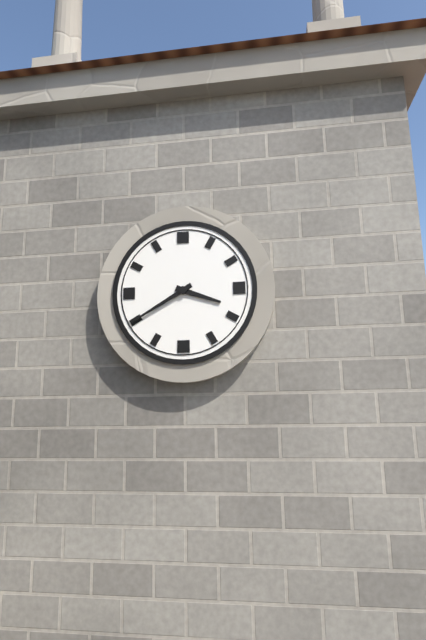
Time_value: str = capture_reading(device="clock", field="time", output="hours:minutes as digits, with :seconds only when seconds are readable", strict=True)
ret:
3:40
